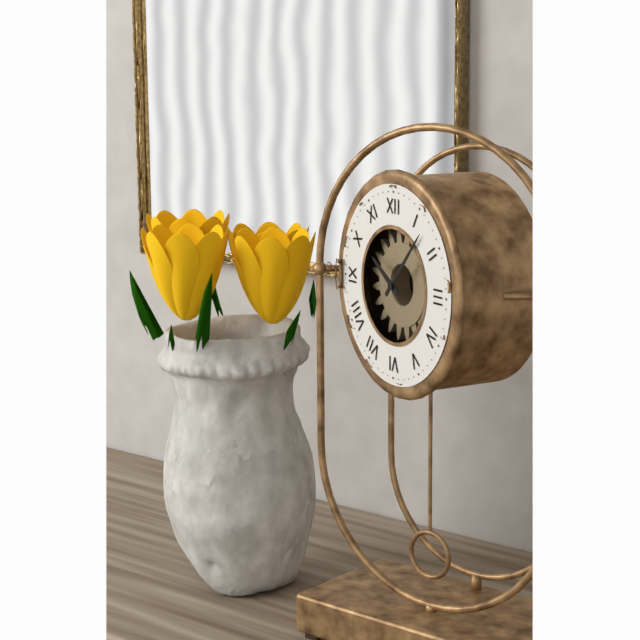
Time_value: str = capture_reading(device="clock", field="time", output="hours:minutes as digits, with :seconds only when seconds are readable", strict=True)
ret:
10:07
